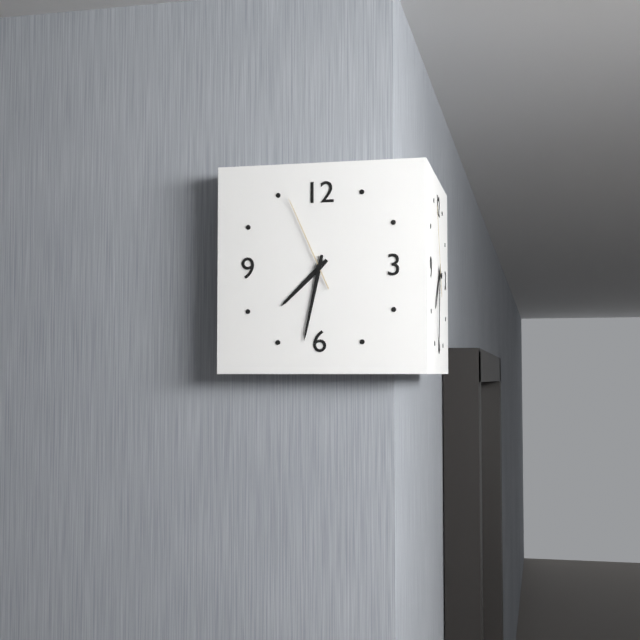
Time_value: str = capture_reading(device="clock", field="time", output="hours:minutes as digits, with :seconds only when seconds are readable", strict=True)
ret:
7:32:56
